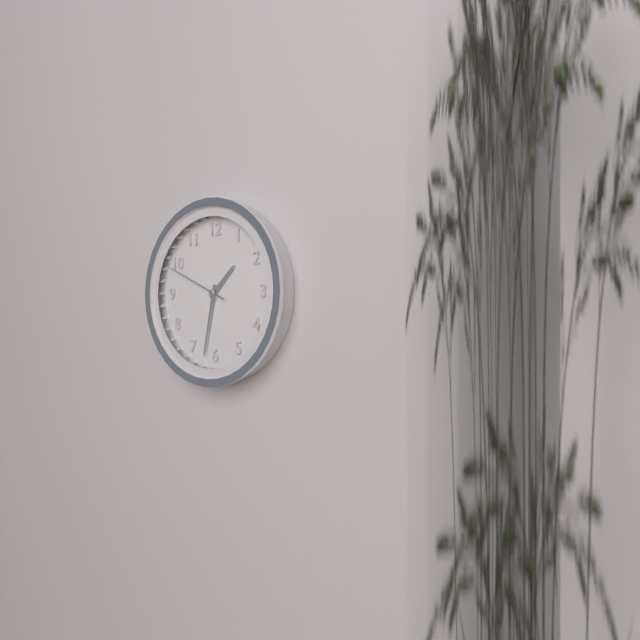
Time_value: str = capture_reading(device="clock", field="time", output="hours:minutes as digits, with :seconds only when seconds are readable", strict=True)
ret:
1:32:49
